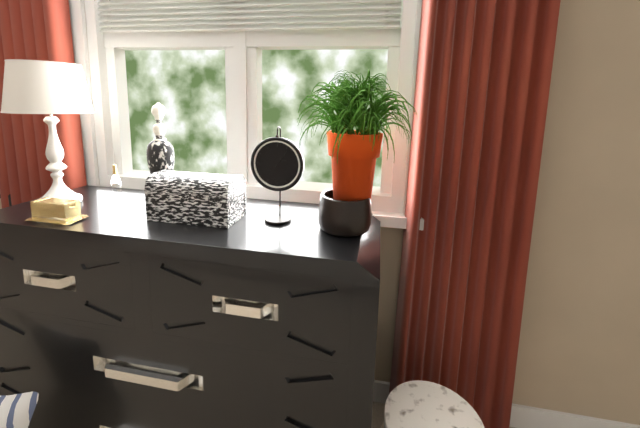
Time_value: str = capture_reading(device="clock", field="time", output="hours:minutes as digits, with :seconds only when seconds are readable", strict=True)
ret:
2:06
